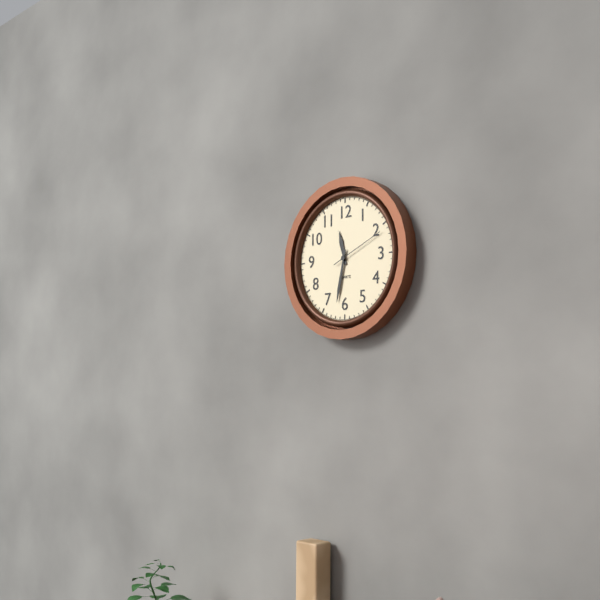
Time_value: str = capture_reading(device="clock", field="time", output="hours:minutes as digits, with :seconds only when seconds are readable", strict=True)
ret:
11:32:11
